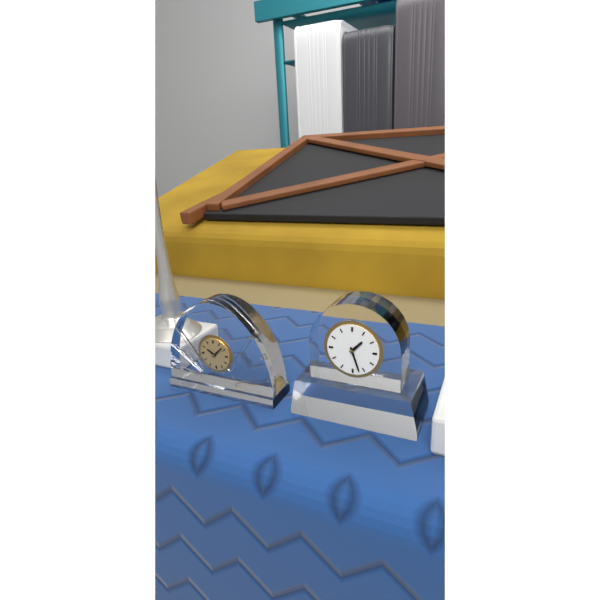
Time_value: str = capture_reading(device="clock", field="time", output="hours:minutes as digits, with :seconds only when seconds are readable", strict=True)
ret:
1:27
